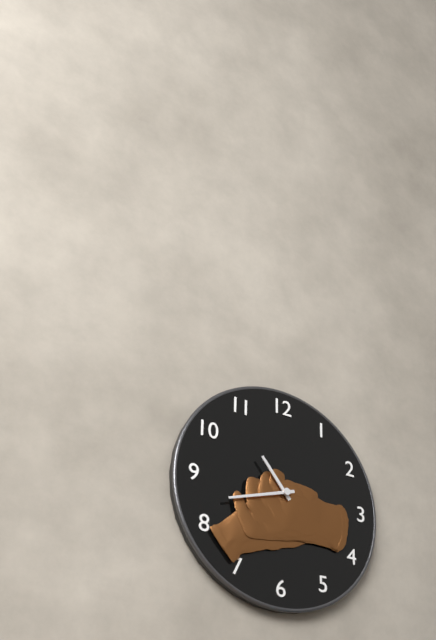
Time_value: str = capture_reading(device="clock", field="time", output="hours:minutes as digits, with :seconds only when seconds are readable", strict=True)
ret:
10:42
